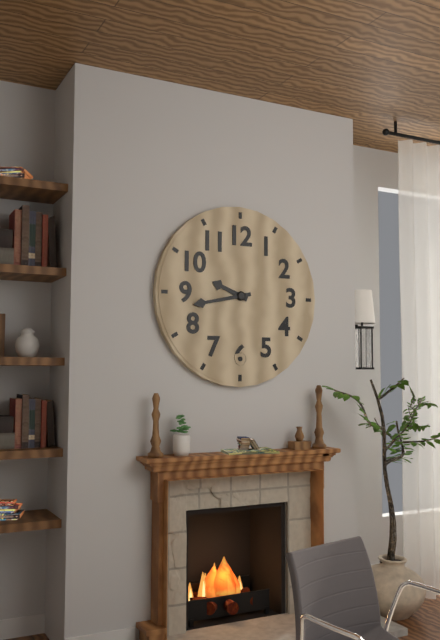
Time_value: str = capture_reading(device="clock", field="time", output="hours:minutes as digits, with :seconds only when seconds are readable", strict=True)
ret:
9:43
